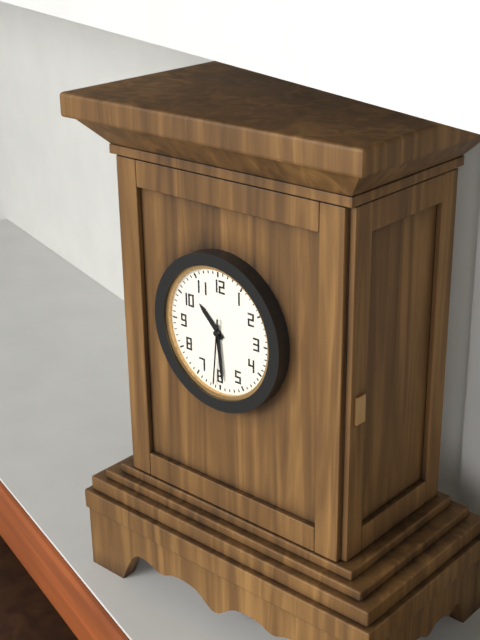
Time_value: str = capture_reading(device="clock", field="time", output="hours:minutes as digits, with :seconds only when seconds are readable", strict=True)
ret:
10:29:31
